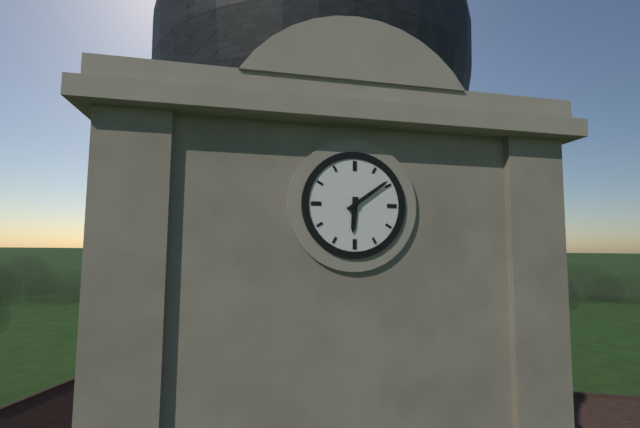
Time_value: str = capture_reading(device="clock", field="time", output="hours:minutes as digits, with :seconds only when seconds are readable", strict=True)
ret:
6:09
